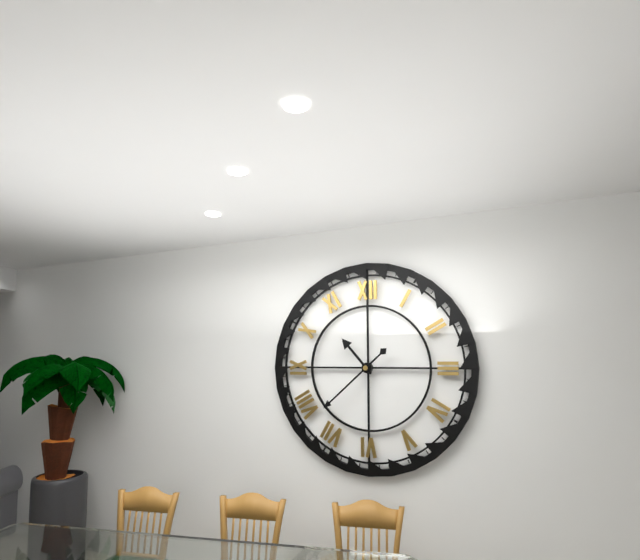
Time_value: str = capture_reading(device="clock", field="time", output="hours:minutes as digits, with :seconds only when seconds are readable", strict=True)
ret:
10:38
